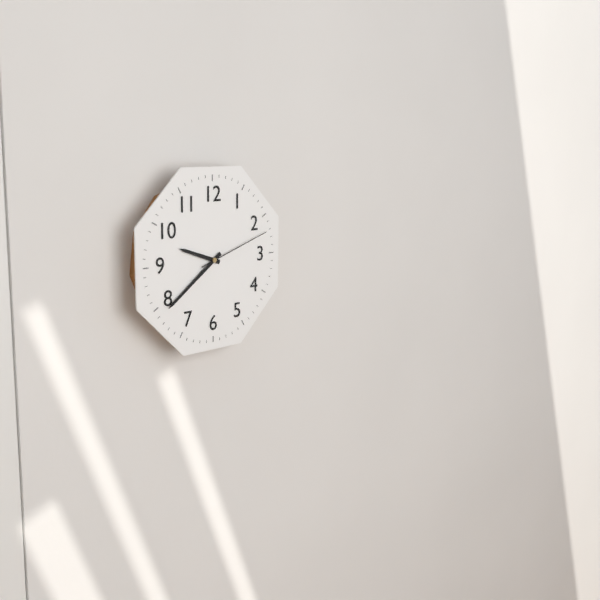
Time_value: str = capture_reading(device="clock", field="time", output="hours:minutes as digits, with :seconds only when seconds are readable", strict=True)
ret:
9:39:12
